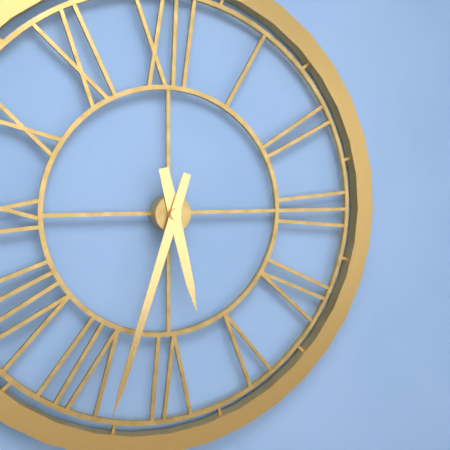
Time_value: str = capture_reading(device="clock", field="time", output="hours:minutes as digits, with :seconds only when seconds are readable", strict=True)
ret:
5:33
